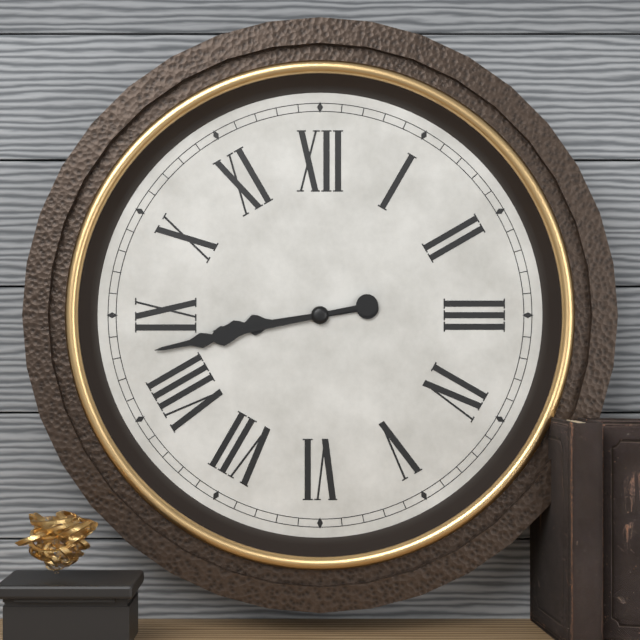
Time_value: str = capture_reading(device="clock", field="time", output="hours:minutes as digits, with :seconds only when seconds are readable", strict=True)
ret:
8:43
